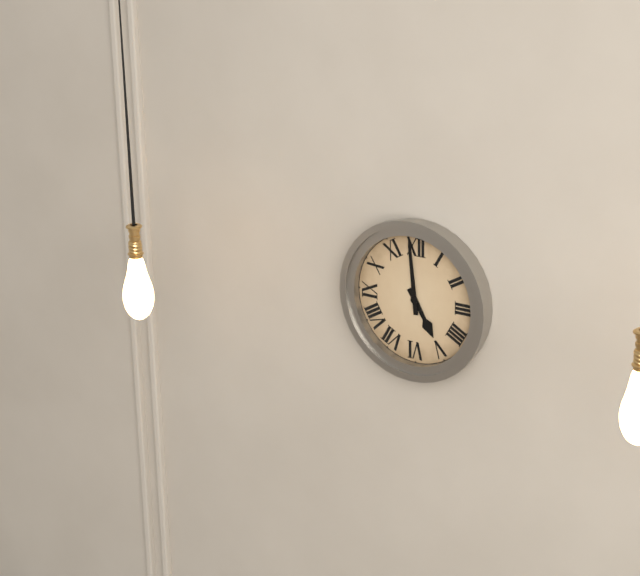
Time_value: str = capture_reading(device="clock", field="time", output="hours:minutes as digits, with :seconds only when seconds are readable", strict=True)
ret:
4:59
